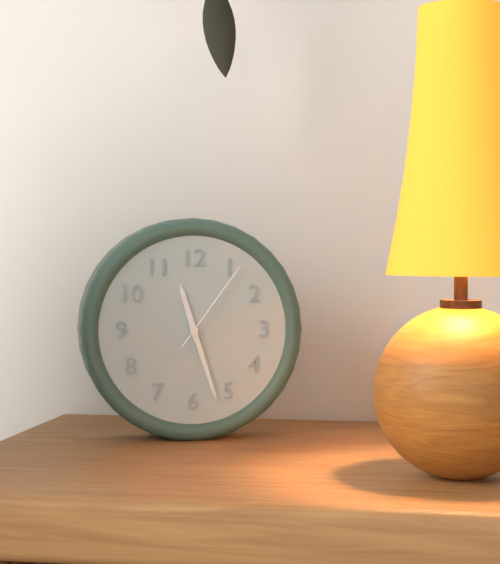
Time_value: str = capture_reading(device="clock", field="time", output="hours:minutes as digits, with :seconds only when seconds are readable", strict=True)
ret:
11:27:06
